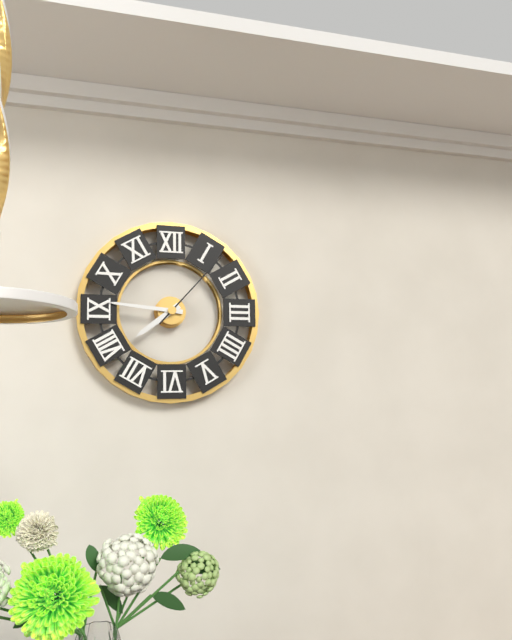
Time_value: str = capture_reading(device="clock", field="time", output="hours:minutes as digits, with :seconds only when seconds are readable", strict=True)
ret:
7:46:07
